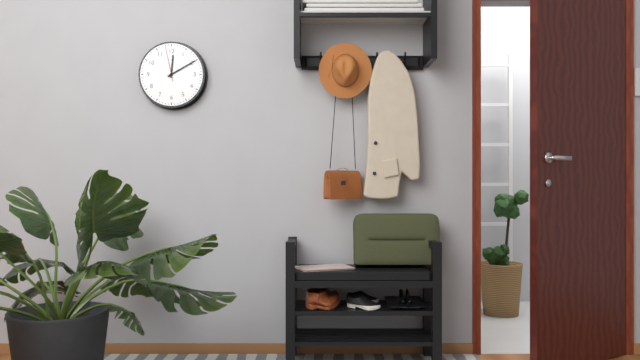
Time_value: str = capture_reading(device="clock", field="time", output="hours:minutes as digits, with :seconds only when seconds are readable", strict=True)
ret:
12:10
